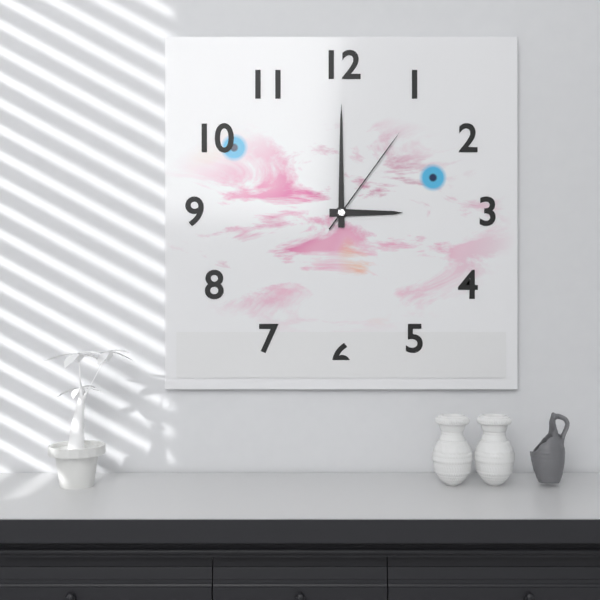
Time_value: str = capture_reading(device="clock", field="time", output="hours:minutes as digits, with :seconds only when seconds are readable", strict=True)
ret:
3:00:06
